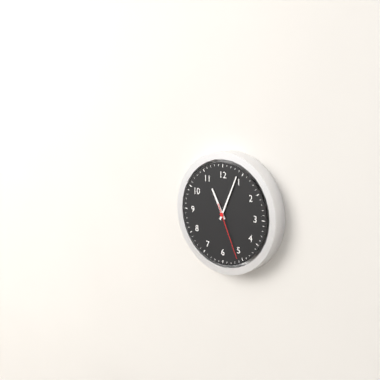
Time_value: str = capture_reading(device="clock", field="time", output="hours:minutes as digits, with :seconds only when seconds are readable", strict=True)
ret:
11:04:26
